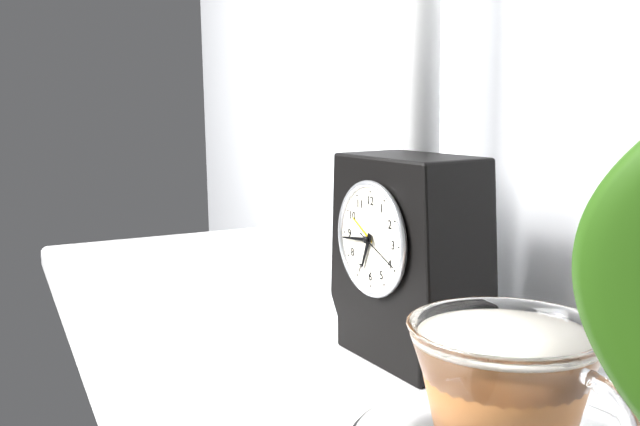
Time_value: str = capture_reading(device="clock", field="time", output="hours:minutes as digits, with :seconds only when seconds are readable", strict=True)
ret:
6:44
